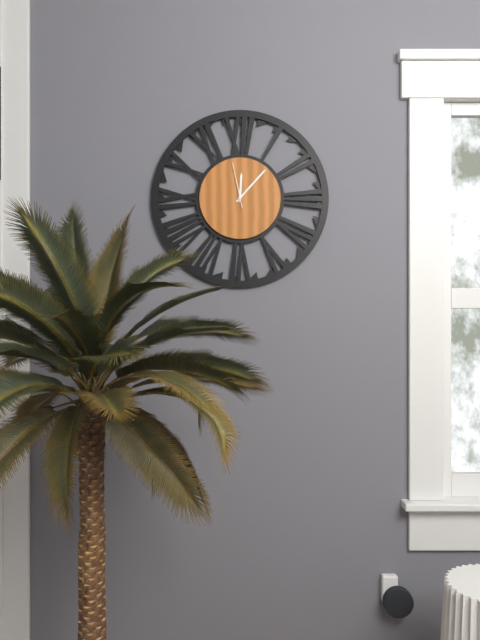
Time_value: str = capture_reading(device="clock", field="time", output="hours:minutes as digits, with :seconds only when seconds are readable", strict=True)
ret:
12:07
